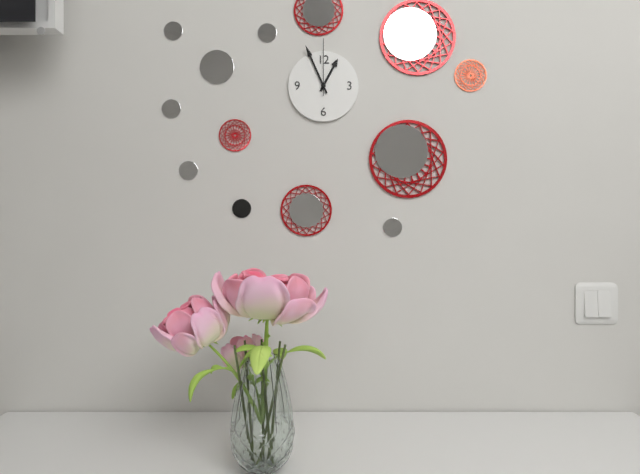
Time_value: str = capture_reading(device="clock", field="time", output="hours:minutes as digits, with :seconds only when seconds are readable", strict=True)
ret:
12:56:00
